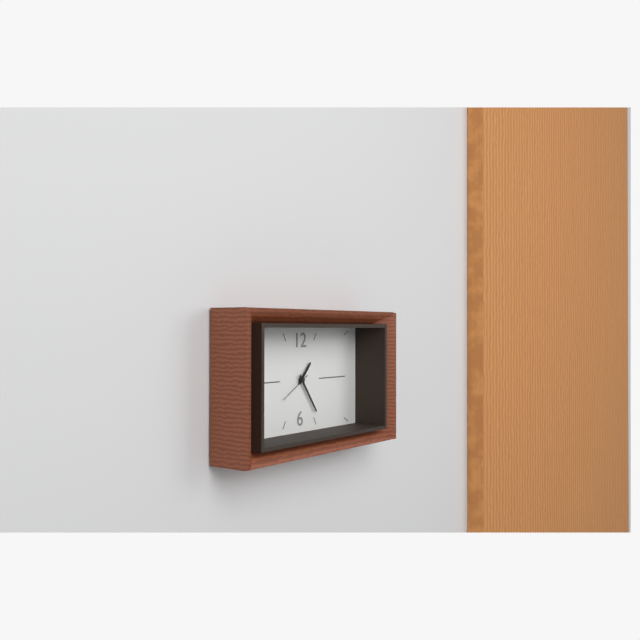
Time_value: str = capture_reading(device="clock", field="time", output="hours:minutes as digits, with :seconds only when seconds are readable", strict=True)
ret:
1:24
